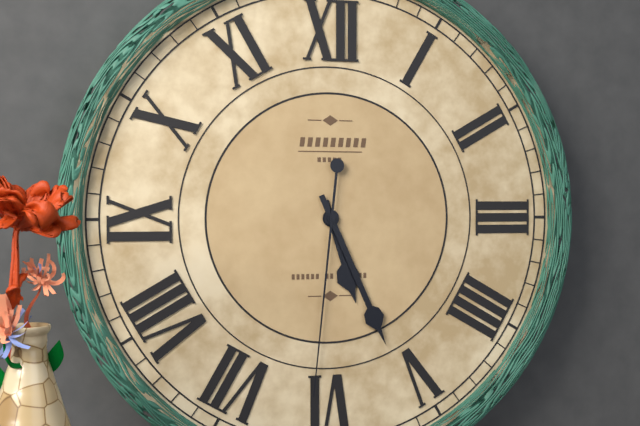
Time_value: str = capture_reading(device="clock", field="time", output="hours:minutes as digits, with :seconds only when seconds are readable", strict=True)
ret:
5:26:31
